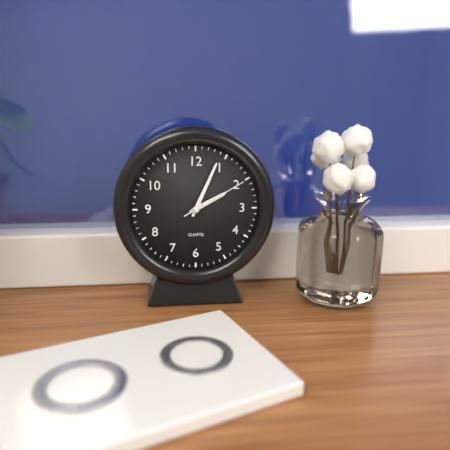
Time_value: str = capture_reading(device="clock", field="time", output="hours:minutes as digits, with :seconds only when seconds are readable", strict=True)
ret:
2:04:10
